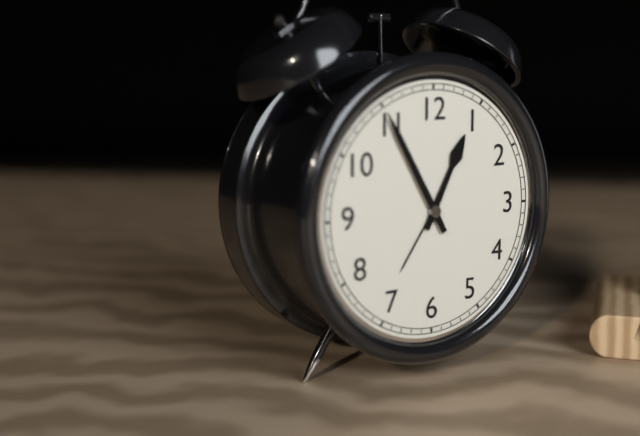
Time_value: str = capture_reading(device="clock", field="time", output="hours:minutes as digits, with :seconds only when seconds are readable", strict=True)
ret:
12:55
